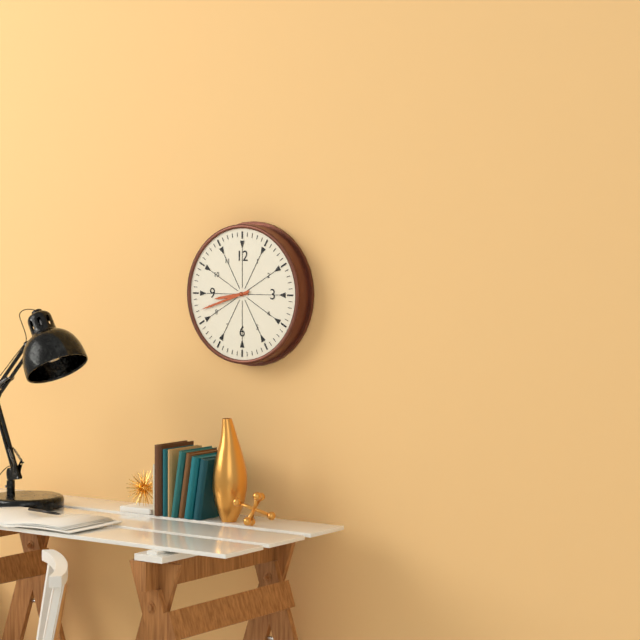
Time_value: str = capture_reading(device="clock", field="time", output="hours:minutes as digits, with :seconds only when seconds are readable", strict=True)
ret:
8:42
